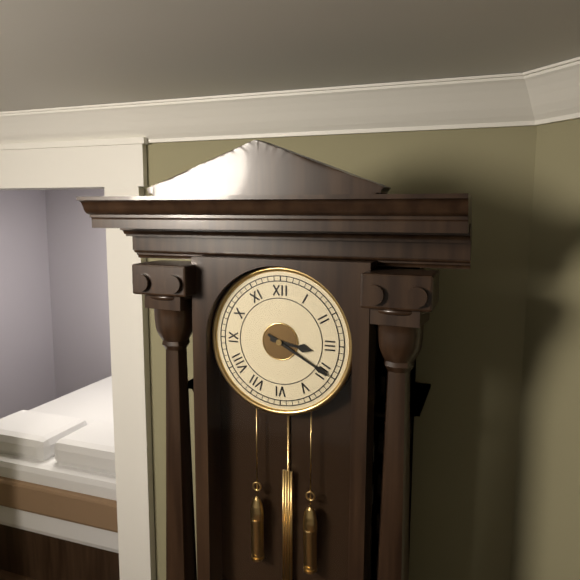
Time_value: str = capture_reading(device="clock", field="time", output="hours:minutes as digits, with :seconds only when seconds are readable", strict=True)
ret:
3:20
